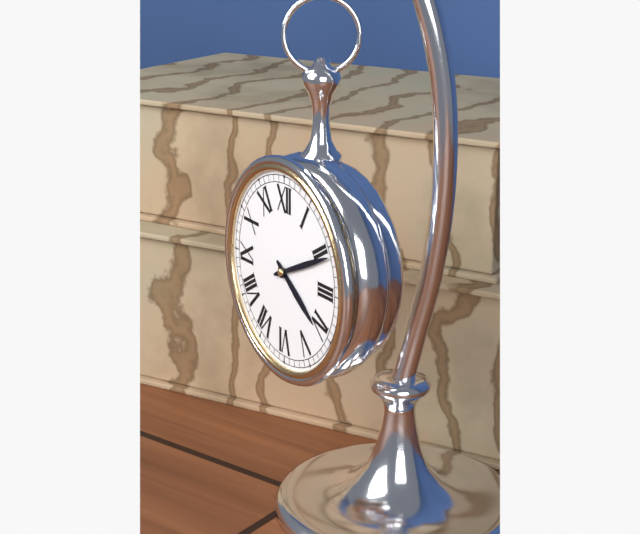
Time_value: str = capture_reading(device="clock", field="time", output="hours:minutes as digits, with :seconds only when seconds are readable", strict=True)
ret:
4:11
